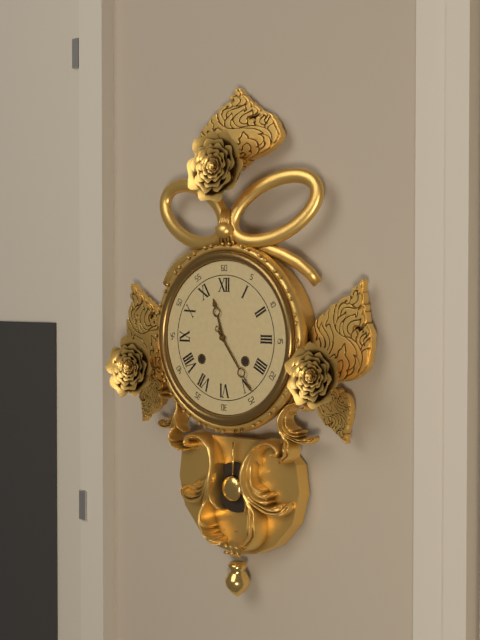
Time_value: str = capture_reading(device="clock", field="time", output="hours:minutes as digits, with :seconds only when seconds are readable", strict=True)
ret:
11:24
